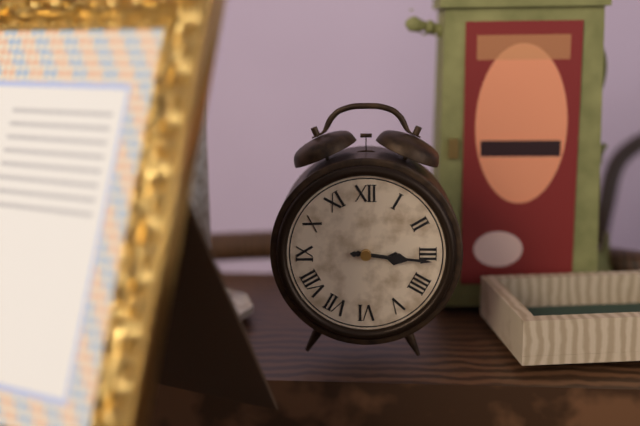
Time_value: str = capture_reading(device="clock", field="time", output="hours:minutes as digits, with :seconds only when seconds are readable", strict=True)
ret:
3:16
